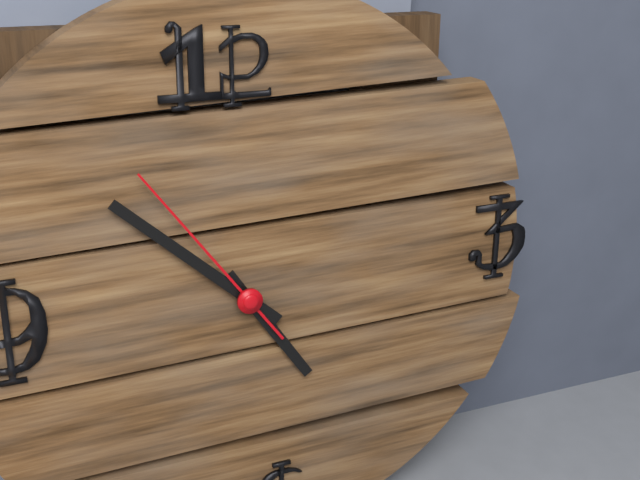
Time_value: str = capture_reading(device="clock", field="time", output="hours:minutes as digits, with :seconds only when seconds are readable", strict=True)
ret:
4:52:54
